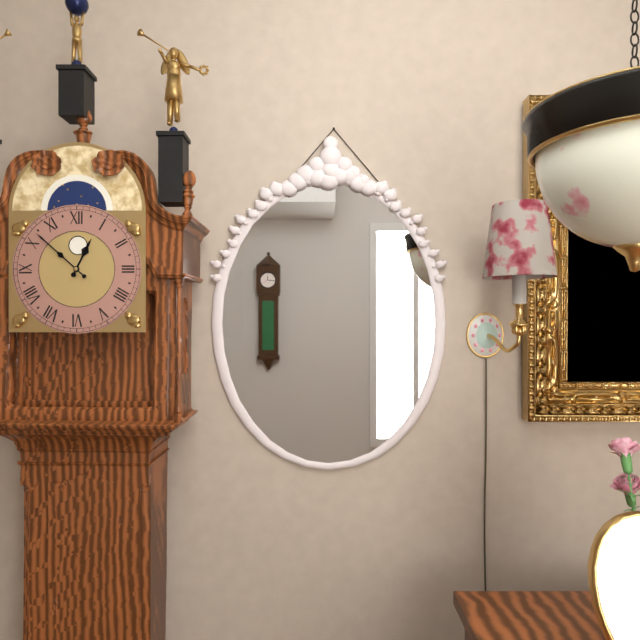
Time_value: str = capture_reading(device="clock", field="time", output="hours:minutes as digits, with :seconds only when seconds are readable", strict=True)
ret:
12:52
